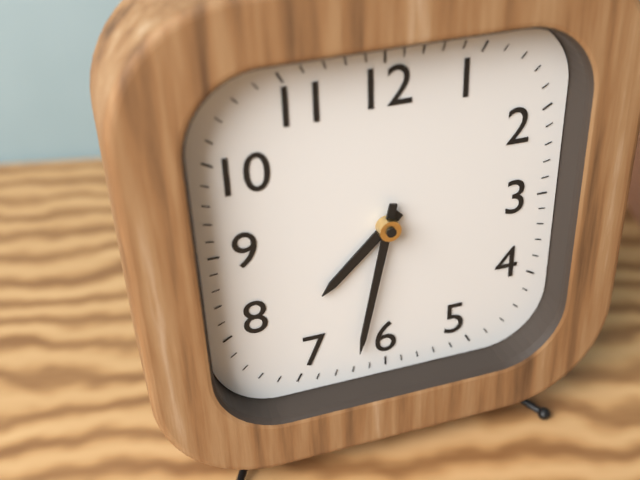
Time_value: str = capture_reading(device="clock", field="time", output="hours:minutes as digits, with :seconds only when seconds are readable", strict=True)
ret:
7:32
